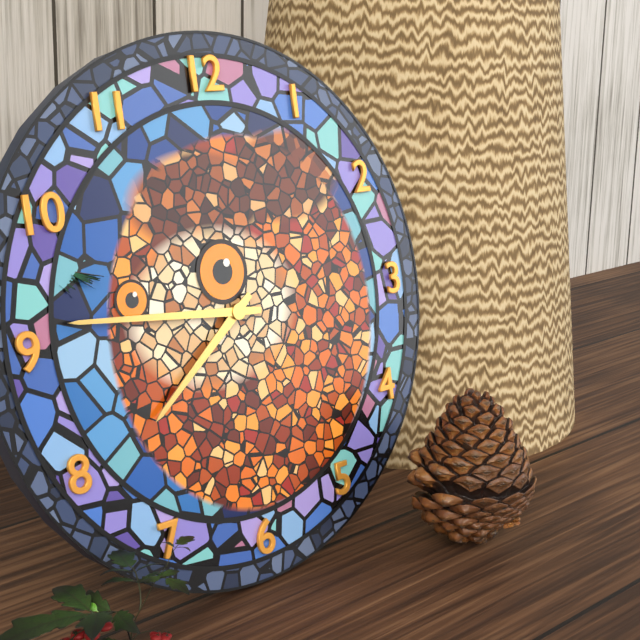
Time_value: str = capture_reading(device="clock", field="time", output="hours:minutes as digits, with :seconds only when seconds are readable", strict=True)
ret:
7:46
